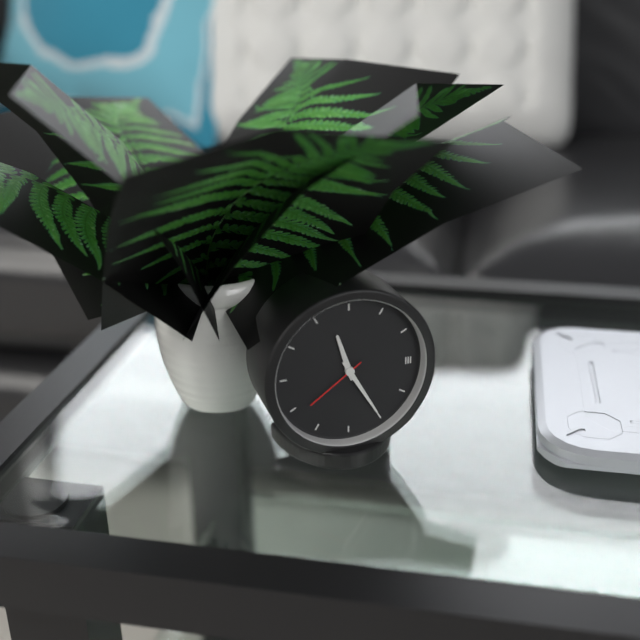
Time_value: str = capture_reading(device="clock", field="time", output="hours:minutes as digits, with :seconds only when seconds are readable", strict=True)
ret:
11:25:39
